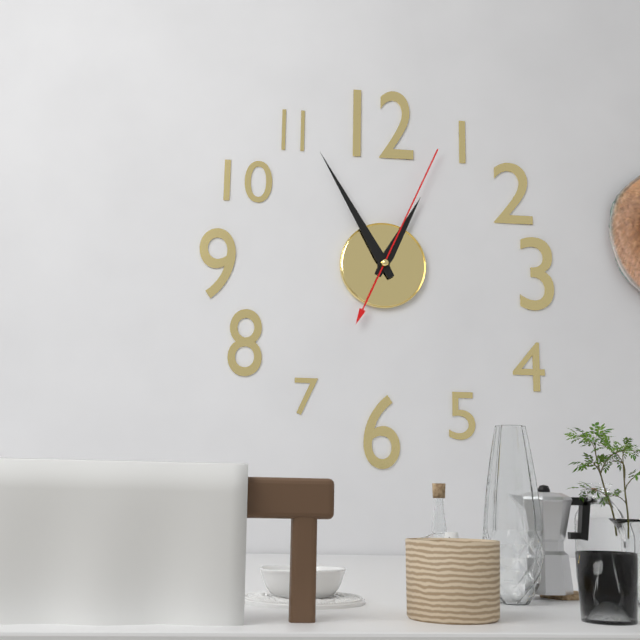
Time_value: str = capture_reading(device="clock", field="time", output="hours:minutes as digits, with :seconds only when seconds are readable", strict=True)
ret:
12:55:04
